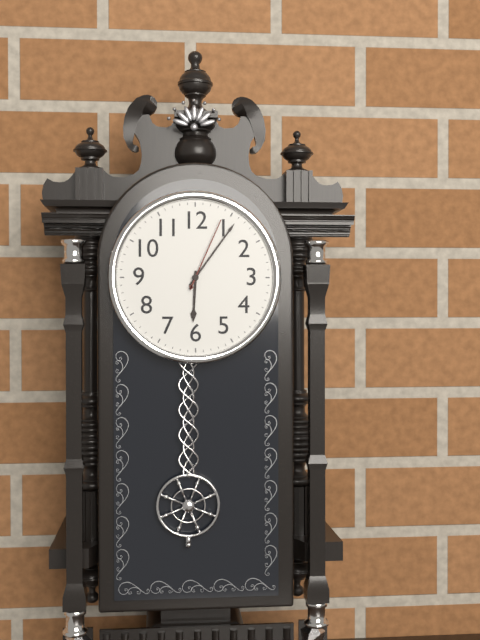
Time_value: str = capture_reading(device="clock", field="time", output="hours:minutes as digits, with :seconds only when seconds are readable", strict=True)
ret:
6:06:04
